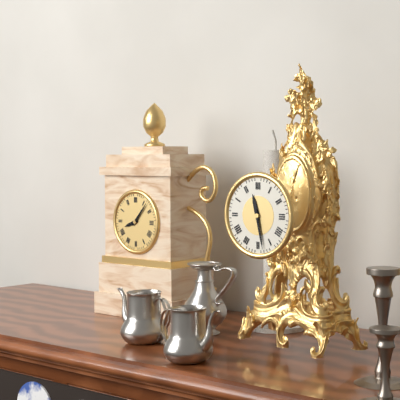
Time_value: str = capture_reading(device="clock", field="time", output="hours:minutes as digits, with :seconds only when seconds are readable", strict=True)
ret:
11:28
